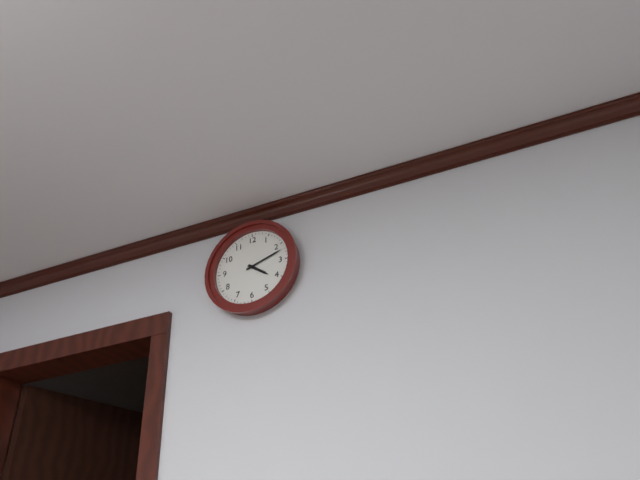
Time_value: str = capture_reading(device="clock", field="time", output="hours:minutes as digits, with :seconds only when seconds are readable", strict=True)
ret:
4:12
